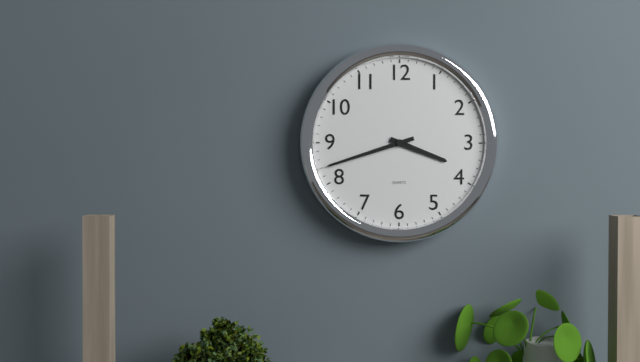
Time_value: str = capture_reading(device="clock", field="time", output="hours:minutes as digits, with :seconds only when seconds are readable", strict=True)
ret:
3:42
